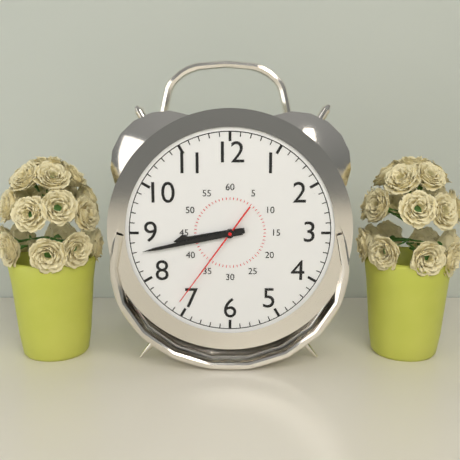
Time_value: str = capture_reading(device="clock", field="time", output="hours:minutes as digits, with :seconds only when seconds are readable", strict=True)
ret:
8:43:36
